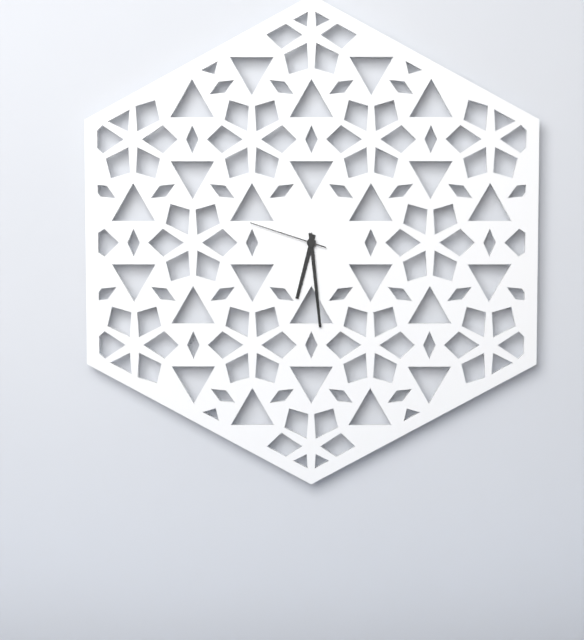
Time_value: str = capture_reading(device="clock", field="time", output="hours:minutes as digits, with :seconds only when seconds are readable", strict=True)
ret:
6:29:48
